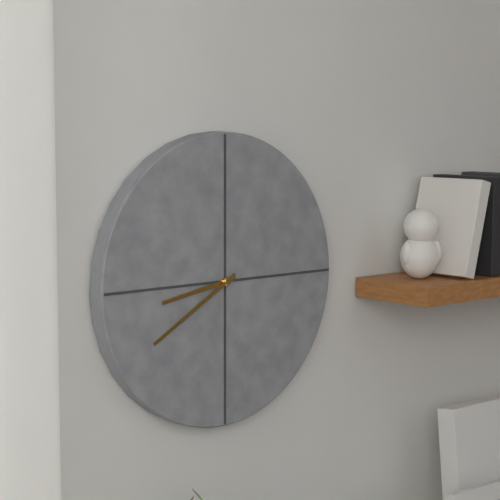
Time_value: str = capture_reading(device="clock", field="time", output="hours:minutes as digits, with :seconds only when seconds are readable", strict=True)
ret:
8:40
